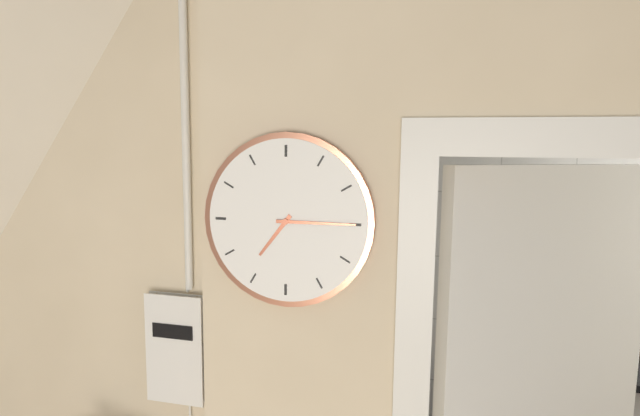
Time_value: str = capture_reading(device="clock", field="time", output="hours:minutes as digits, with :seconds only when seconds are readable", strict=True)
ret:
7:15
